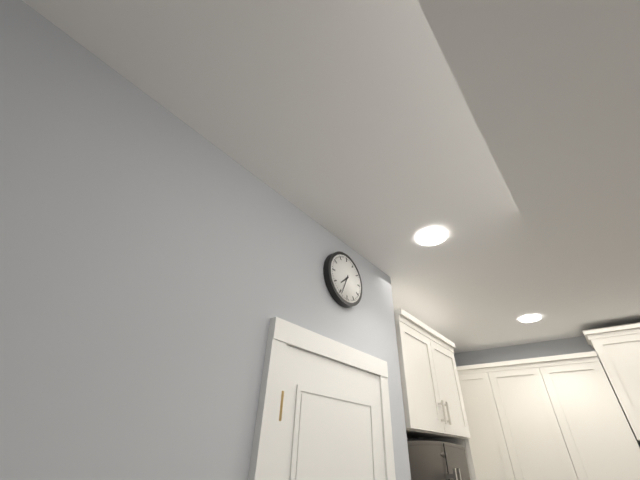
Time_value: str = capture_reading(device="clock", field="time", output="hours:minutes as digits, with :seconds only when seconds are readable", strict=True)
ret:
7:34
